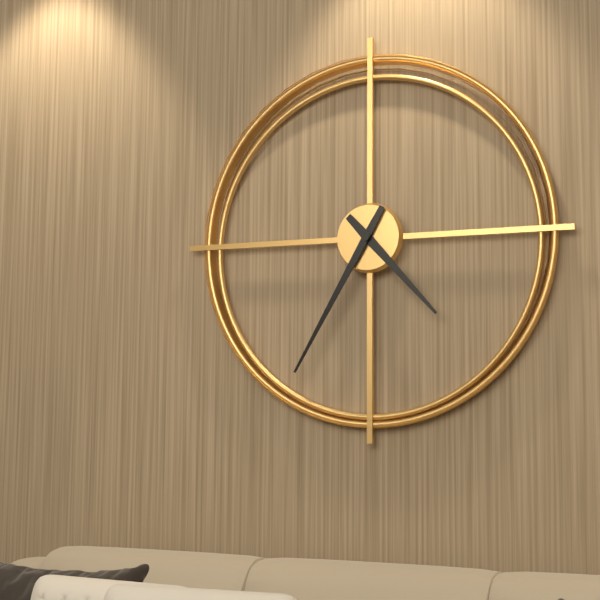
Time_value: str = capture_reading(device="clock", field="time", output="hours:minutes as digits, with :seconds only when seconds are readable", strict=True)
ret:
4:35
